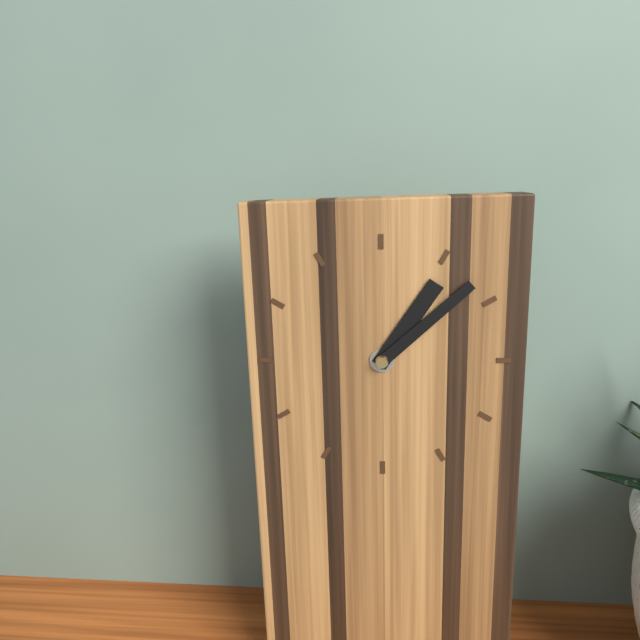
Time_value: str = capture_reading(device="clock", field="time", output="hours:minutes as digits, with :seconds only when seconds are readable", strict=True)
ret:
1:08
